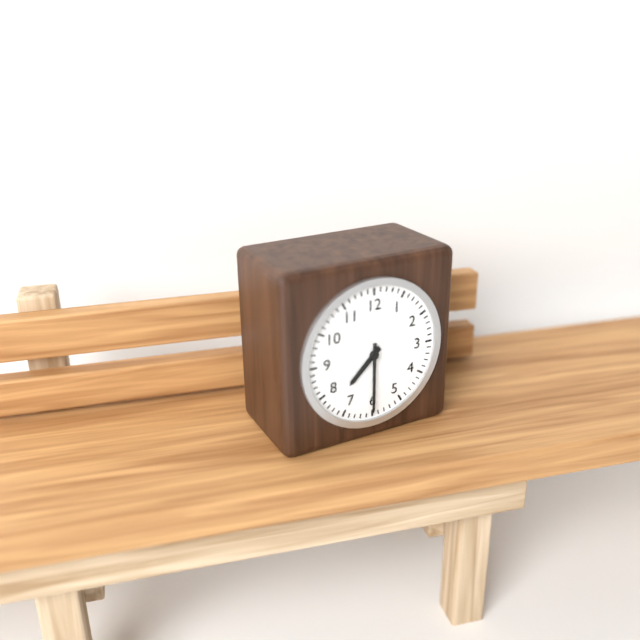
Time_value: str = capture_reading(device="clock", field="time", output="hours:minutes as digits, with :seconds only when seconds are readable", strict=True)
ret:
7:30
